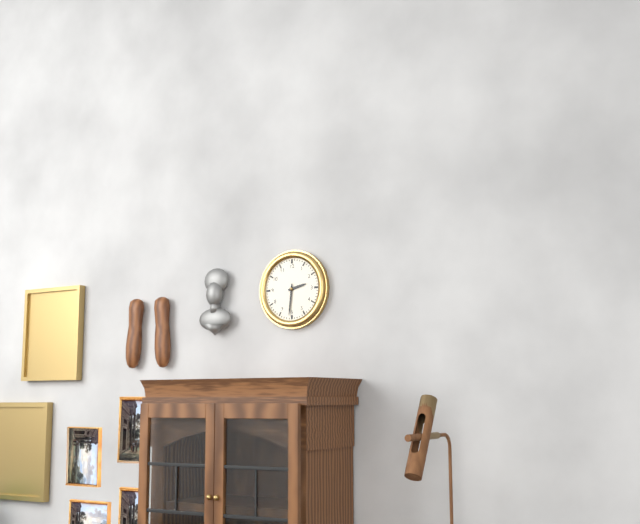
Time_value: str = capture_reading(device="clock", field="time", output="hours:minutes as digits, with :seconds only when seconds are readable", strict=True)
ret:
2:31
